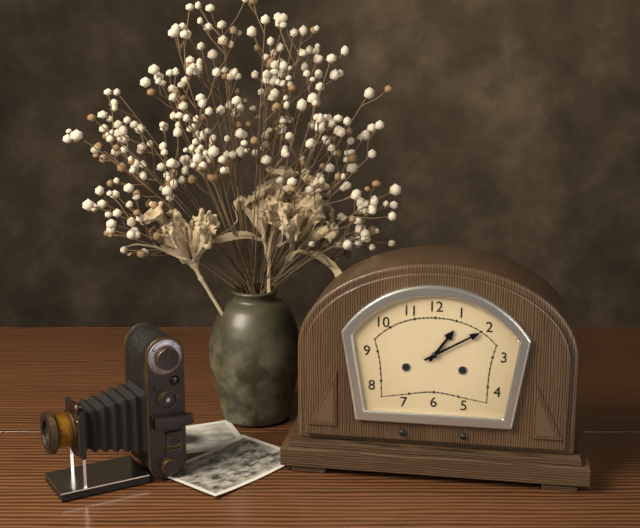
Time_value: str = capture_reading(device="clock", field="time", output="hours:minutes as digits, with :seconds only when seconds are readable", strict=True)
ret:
1:10
